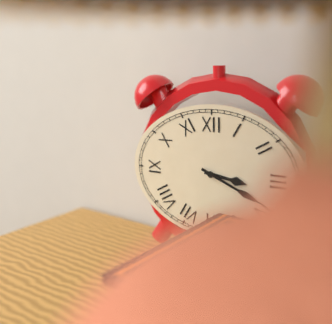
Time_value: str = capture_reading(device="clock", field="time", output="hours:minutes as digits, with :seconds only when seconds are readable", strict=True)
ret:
3:19
